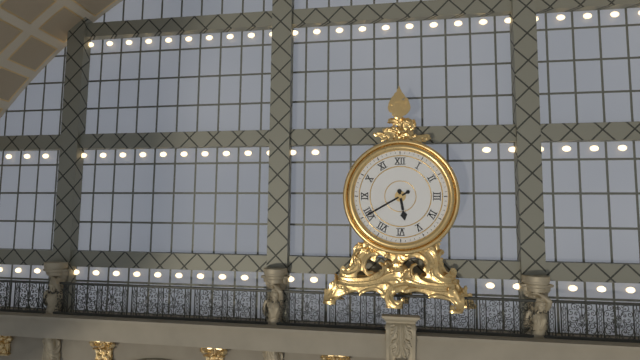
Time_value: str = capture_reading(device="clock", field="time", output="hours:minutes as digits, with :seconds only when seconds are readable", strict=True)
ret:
5:40
